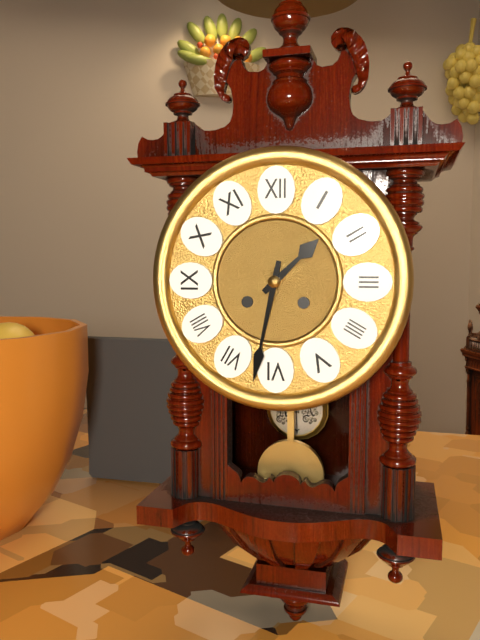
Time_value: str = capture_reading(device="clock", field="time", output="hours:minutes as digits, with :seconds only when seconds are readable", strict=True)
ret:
1:32
